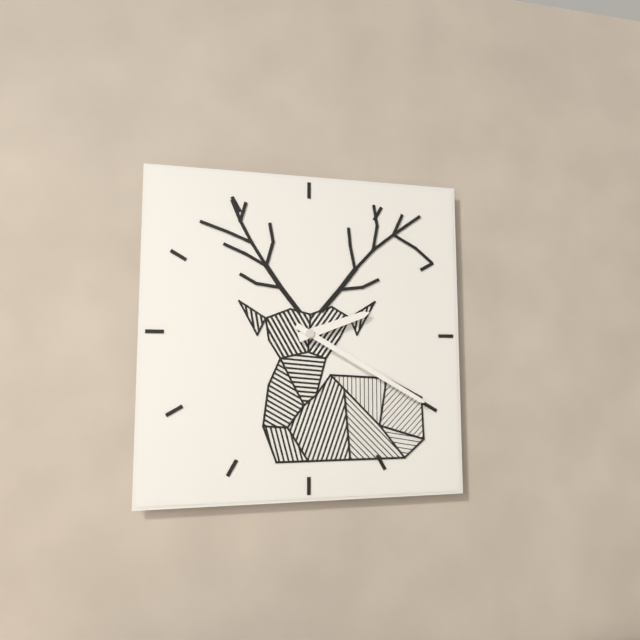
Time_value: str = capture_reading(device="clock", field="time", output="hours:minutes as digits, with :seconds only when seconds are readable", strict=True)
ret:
2:20
